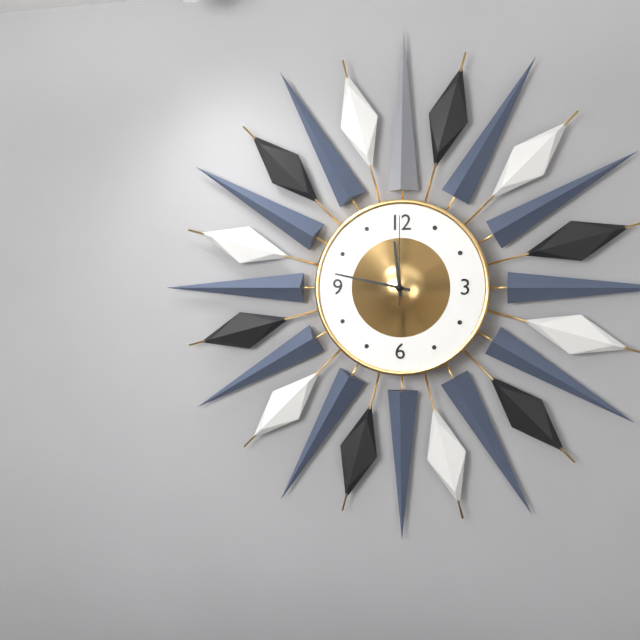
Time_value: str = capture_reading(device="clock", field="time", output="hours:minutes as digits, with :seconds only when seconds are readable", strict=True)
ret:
11:47:00
